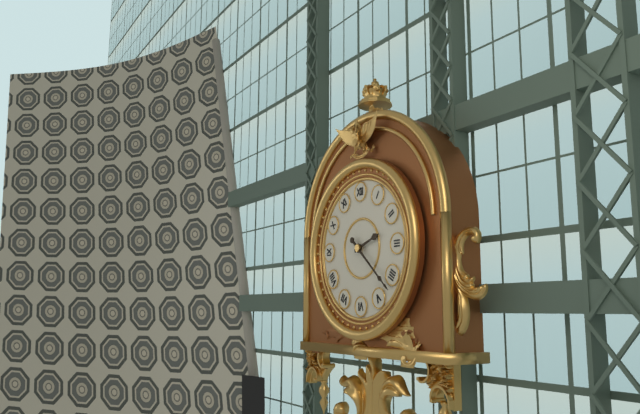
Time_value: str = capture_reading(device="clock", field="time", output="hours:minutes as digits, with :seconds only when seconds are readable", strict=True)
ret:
2:22
